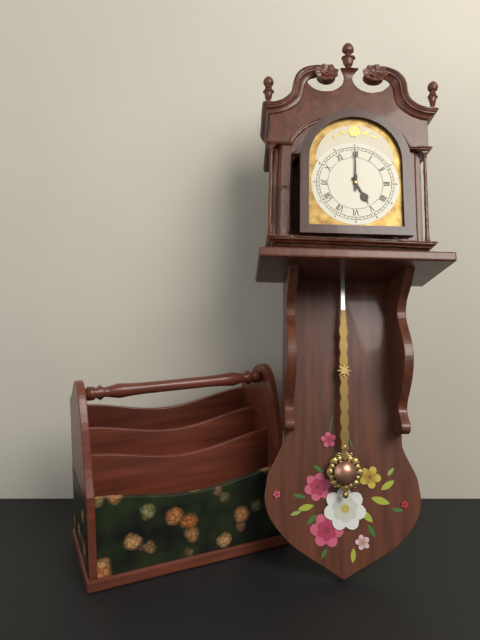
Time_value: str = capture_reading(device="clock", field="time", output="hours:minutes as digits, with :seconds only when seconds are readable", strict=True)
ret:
5:00
